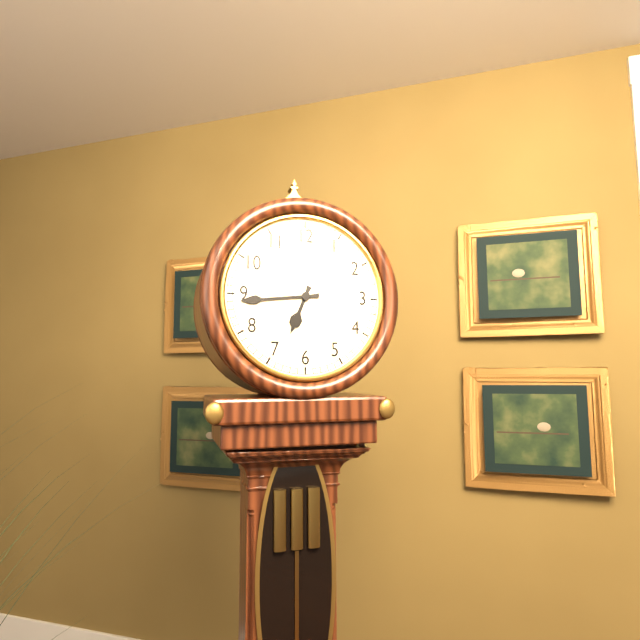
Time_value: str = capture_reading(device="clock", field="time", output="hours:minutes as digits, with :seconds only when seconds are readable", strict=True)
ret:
6:44
